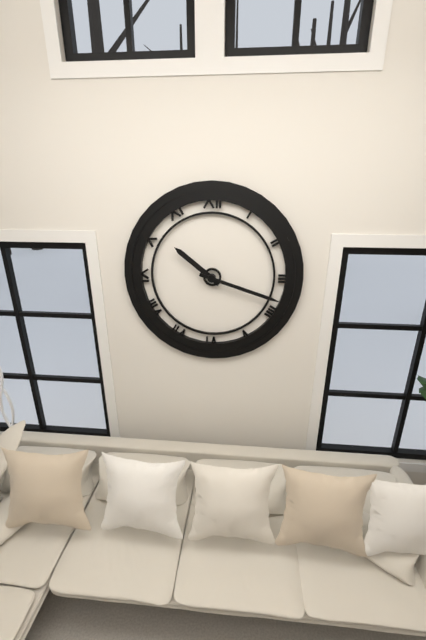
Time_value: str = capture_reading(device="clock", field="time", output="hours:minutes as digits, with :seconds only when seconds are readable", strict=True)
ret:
10:18
